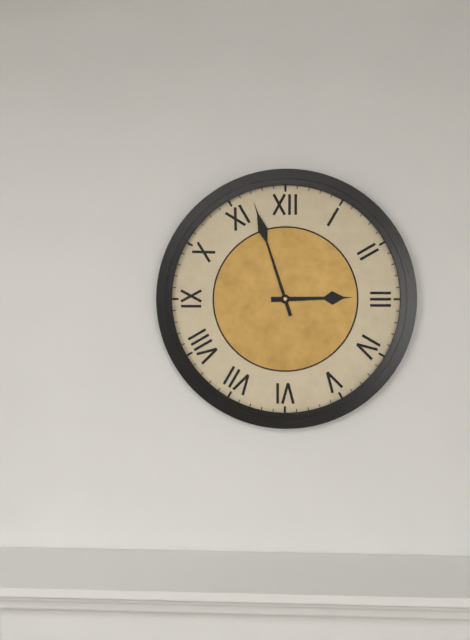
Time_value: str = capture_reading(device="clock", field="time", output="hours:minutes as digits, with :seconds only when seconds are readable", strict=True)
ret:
2:57
